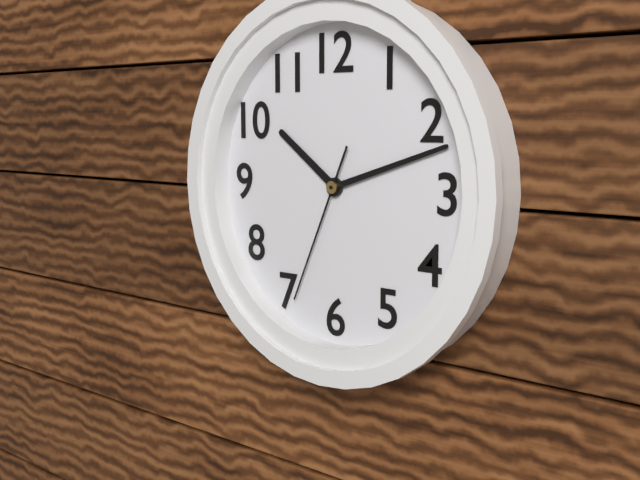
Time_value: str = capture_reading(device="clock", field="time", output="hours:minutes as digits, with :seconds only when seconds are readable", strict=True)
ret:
10:12:34
